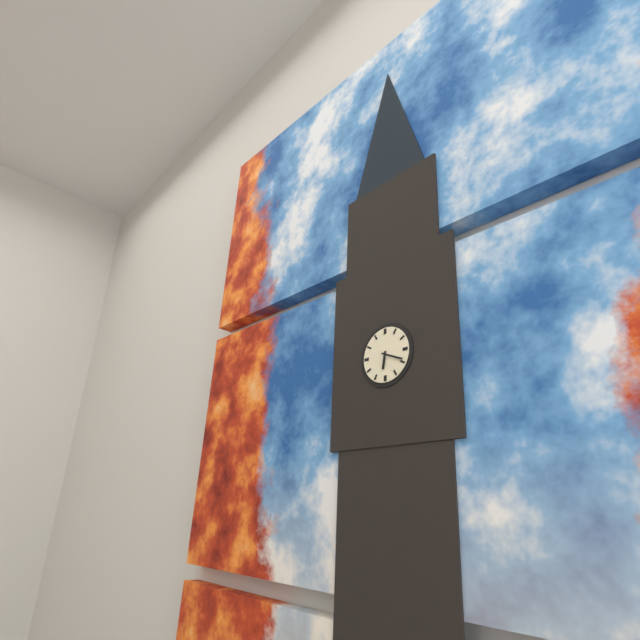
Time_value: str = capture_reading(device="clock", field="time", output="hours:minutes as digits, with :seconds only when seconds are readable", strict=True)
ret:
6:19
